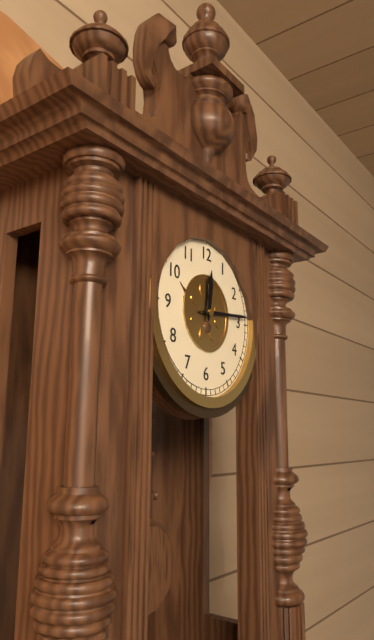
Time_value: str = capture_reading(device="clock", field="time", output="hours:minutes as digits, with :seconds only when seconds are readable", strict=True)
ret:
12:14
